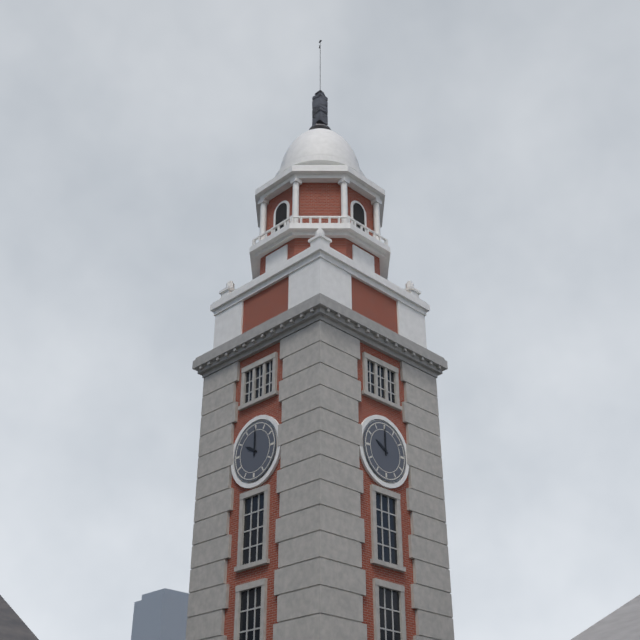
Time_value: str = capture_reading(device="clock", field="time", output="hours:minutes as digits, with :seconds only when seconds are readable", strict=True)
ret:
10:00
